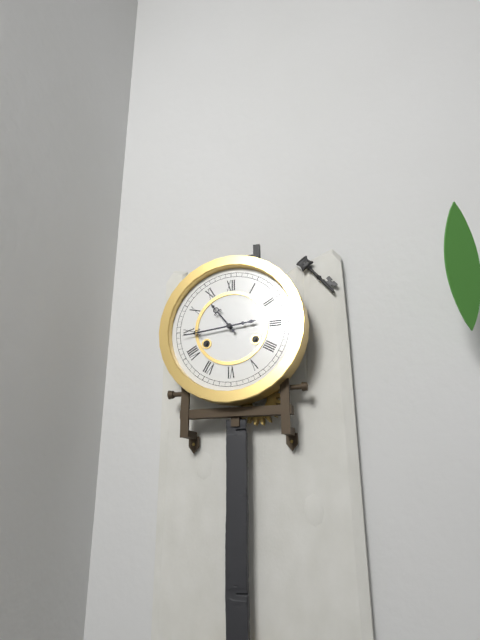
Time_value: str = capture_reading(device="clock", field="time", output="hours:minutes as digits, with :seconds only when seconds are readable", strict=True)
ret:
10:44
